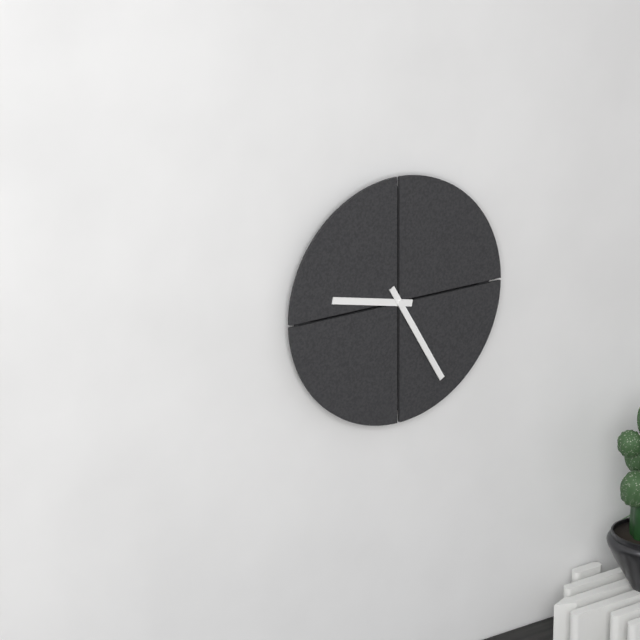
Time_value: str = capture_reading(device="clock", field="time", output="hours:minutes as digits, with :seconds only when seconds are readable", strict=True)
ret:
9:25
